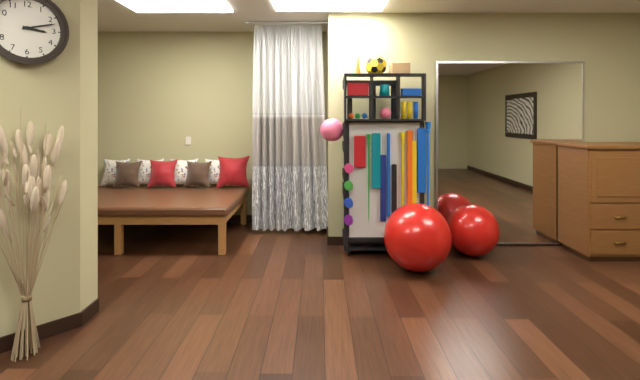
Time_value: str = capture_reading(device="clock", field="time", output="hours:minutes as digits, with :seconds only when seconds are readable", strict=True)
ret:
3:12
